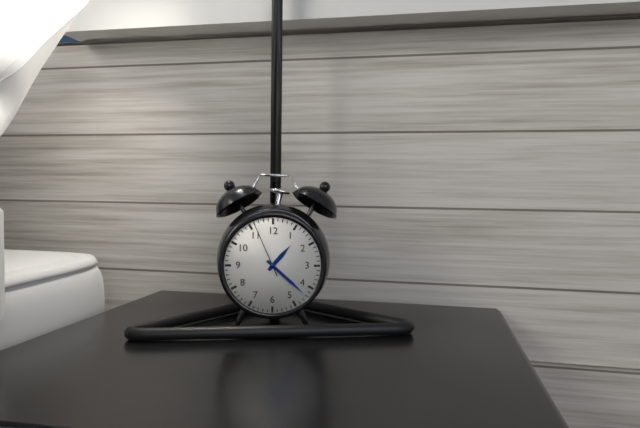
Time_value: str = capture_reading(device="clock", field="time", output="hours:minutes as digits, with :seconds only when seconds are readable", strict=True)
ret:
1:22:56
